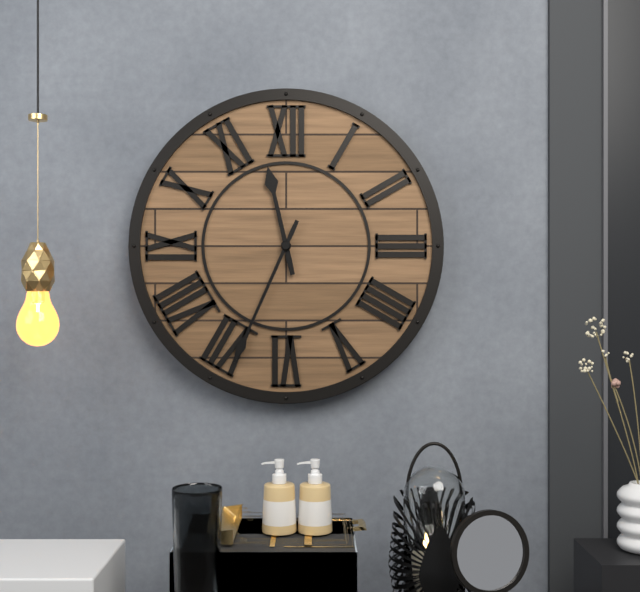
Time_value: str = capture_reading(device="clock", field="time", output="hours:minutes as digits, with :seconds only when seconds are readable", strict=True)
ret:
11:34
